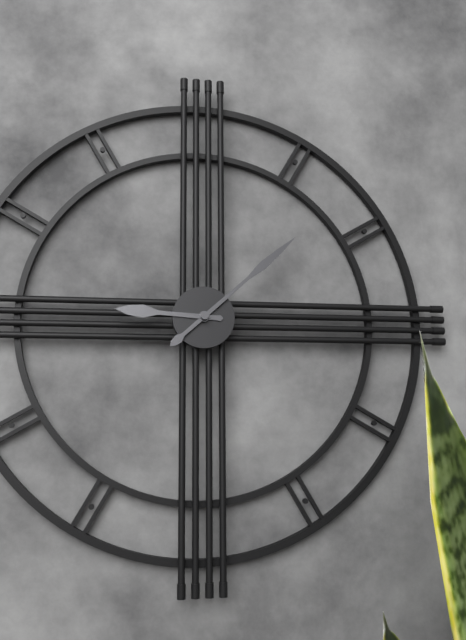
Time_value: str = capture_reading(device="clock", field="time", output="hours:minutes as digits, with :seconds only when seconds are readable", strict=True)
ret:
9:08
